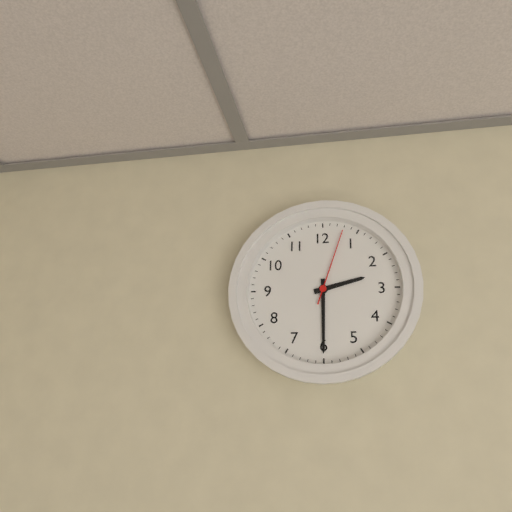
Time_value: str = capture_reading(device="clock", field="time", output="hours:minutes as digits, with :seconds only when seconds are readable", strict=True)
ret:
2:30:03
